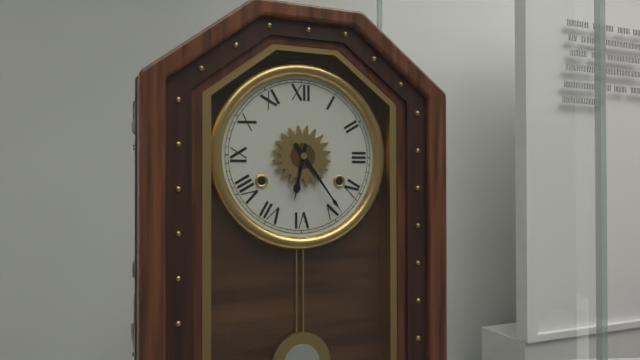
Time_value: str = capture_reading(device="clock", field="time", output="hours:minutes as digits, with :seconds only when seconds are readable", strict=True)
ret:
6:24
